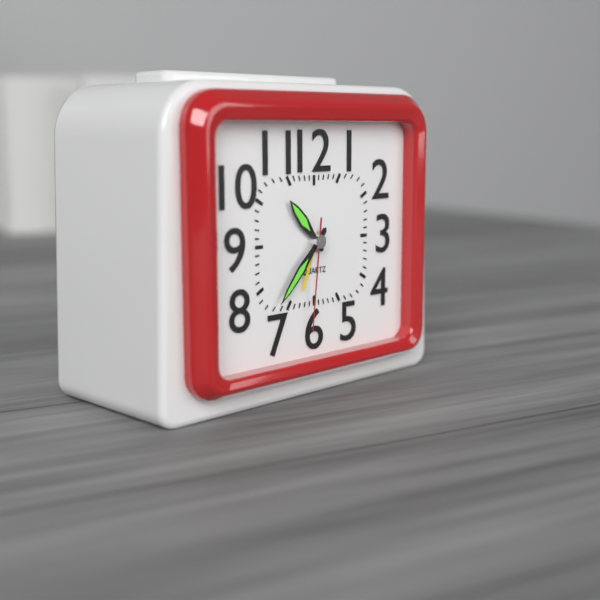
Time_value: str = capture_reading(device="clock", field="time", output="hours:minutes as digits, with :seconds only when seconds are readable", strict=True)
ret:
10:37:31
